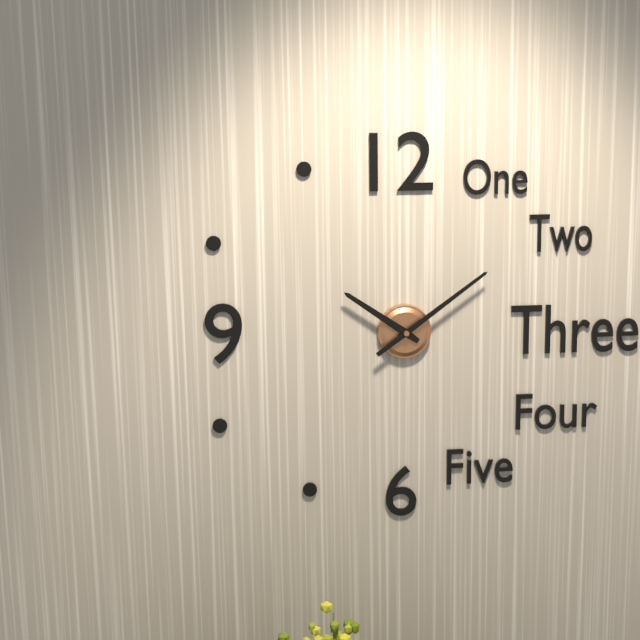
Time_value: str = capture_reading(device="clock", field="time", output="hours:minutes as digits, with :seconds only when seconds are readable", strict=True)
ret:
10:09
